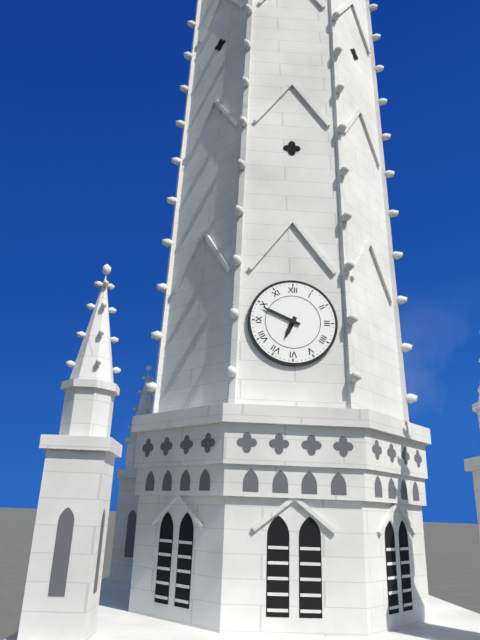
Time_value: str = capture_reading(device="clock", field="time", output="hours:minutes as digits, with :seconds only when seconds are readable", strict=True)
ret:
6:49
